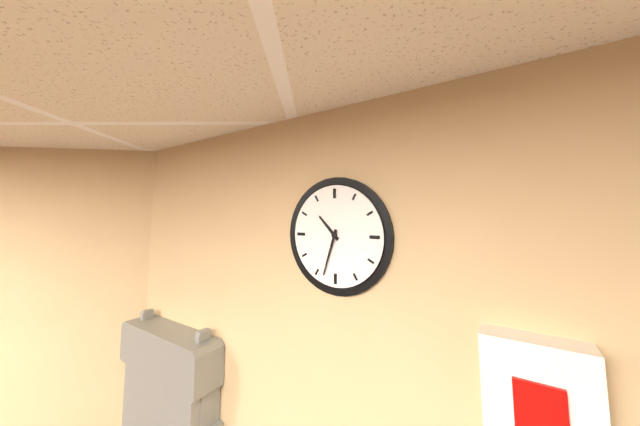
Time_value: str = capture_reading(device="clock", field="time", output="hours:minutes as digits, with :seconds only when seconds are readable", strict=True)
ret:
10:33
